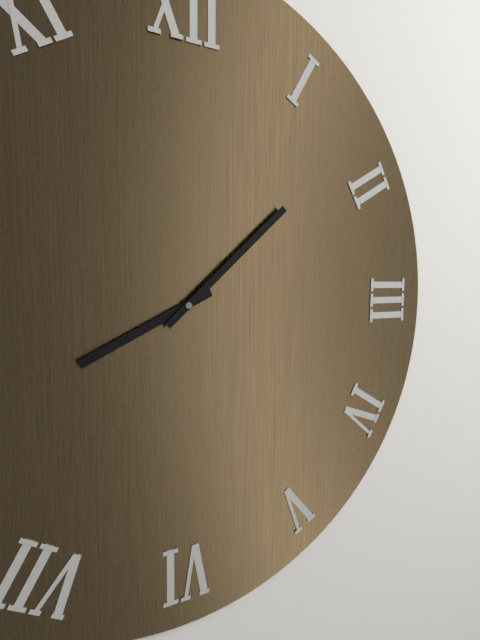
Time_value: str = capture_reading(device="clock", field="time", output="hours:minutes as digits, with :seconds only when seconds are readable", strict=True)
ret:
8:08
